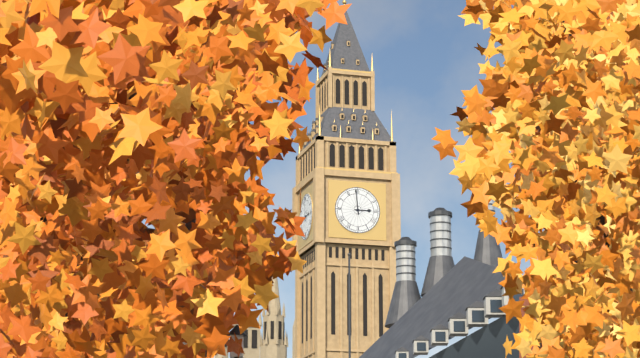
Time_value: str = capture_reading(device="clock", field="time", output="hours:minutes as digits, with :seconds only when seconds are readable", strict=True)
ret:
2:59
